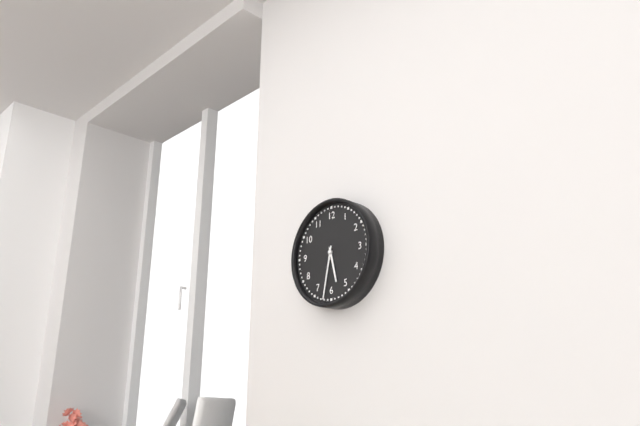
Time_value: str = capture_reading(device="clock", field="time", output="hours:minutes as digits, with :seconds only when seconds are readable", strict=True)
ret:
5:32
